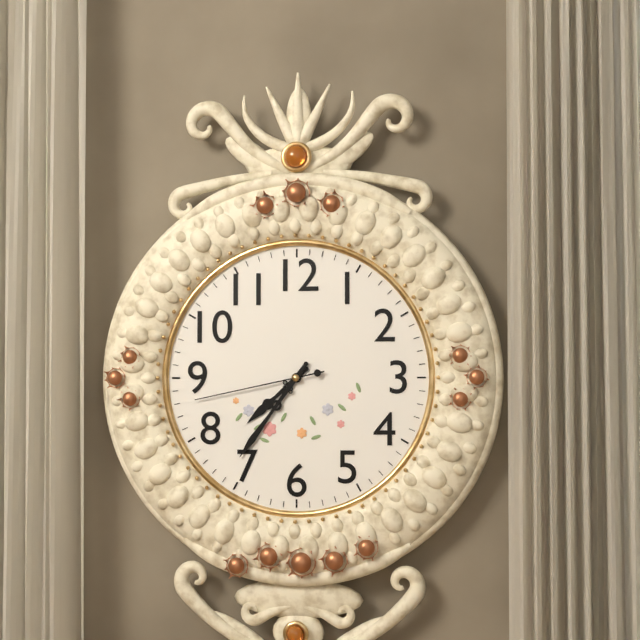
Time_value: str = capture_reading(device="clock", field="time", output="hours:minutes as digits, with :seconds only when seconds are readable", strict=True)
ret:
7:36:43
